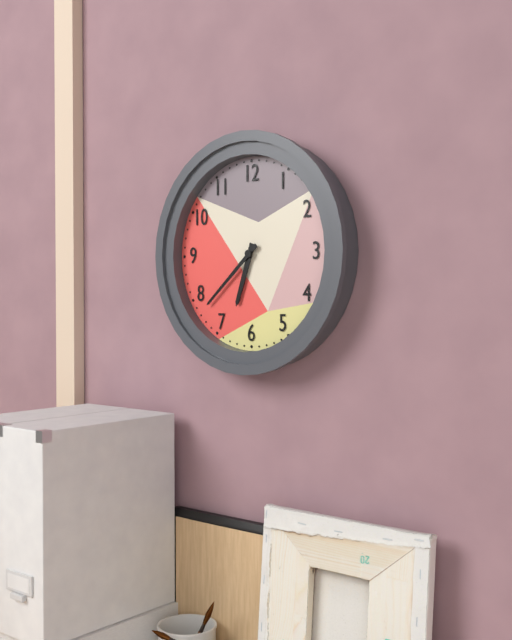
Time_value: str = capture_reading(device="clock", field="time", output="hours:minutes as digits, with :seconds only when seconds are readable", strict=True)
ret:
6:38
